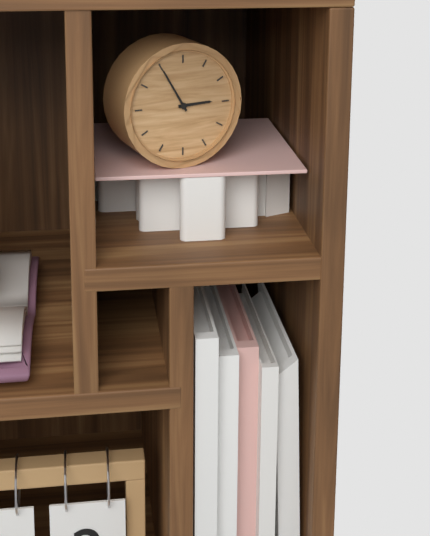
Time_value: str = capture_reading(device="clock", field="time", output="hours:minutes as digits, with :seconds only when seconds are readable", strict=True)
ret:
2:55
